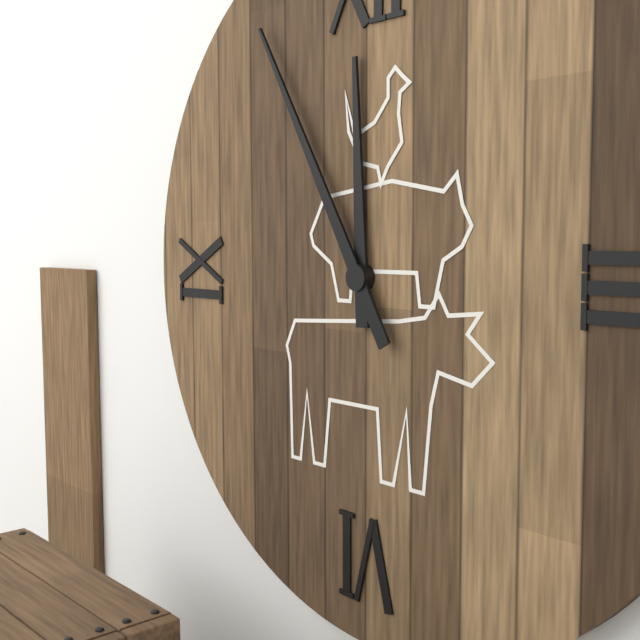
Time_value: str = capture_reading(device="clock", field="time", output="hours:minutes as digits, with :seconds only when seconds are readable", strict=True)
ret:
11:55
